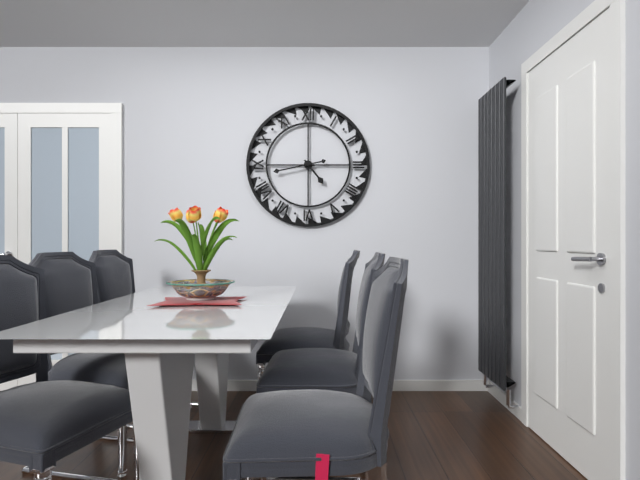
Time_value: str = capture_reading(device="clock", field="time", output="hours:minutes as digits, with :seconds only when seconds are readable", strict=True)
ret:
4:43
